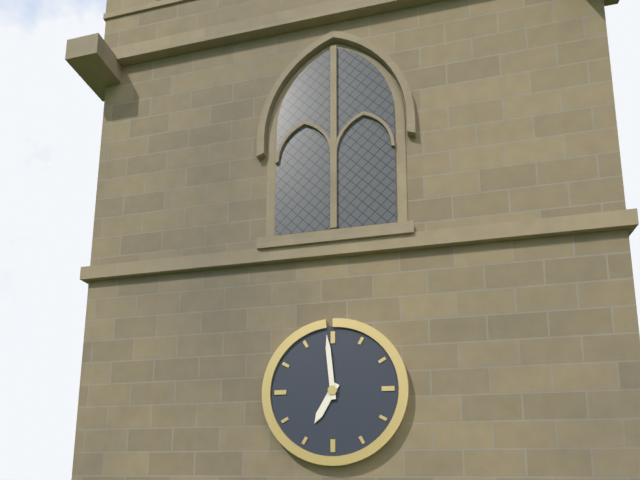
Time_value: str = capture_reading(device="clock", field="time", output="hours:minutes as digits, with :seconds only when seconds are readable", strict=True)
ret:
6:59
